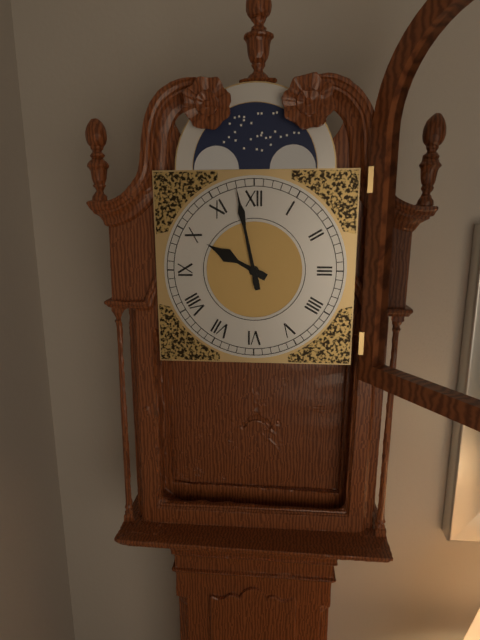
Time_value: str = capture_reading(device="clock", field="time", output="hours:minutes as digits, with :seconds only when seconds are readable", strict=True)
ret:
9:58
